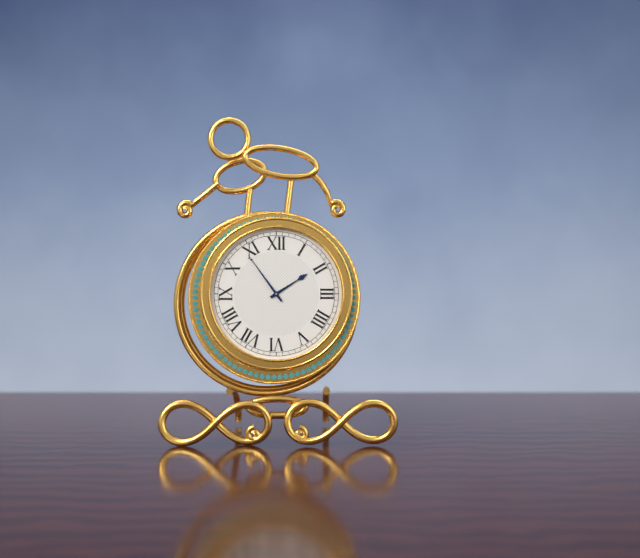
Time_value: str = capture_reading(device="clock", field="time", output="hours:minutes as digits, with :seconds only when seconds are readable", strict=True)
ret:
1:54
